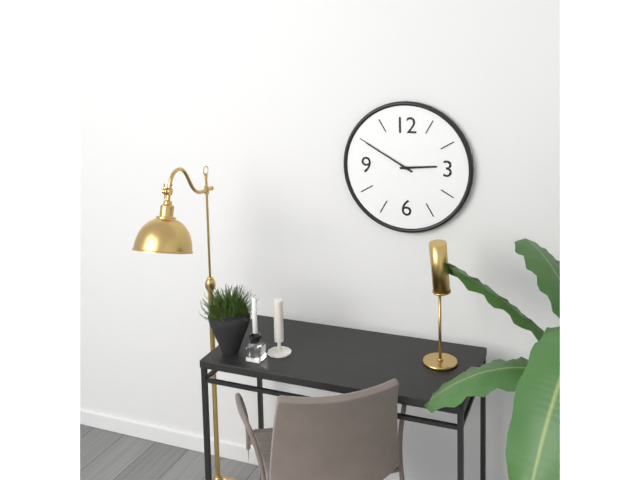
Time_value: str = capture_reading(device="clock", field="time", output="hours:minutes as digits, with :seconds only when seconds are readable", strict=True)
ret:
2:50
